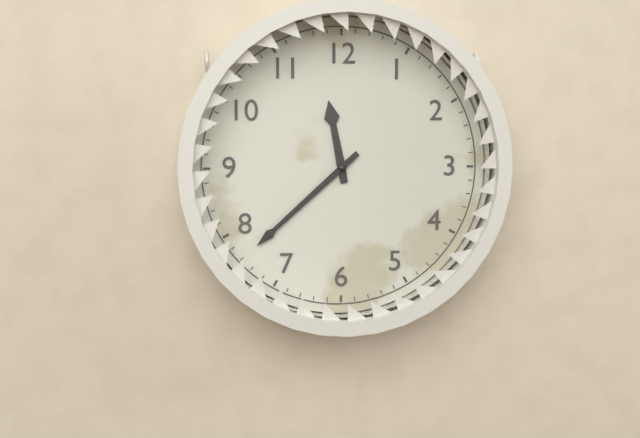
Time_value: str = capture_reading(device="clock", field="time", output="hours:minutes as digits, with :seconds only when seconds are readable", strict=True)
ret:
11:38
